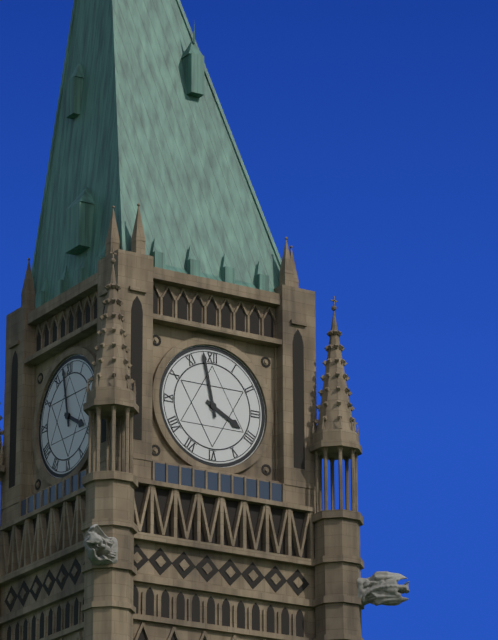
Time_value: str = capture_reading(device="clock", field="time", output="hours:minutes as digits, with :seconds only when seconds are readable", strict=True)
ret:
3:58
